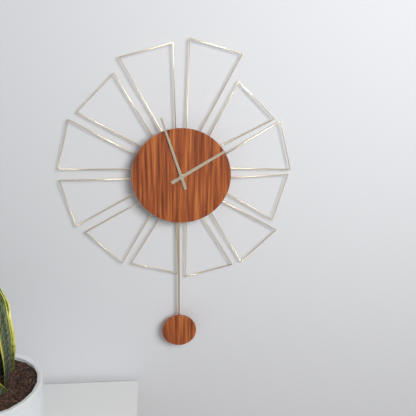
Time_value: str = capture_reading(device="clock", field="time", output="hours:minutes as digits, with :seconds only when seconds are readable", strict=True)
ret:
1:57
